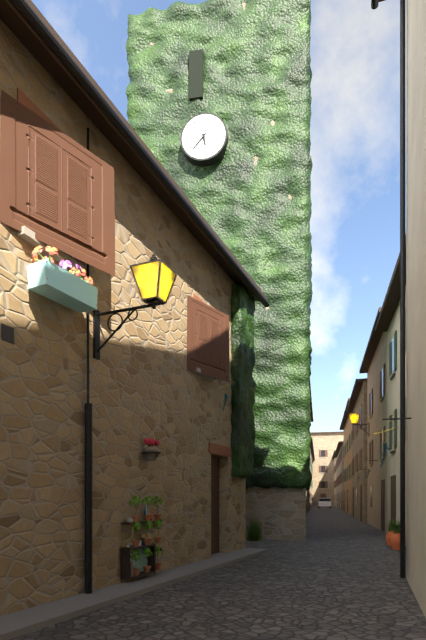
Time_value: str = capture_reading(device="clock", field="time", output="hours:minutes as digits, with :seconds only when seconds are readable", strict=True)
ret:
5:37
